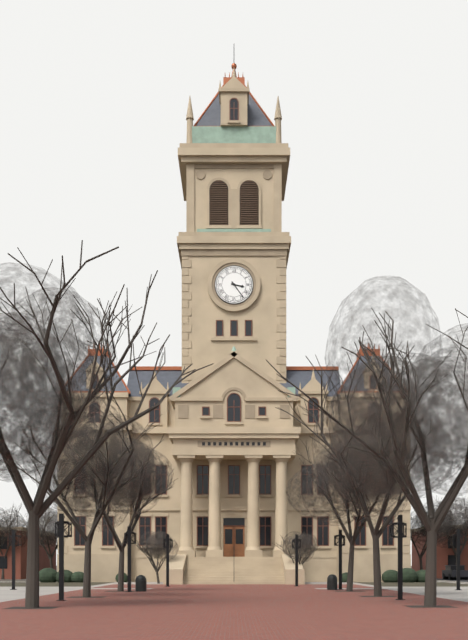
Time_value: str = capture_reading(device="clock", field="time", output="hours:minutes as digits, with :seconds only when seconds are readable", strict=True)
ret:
3:24
